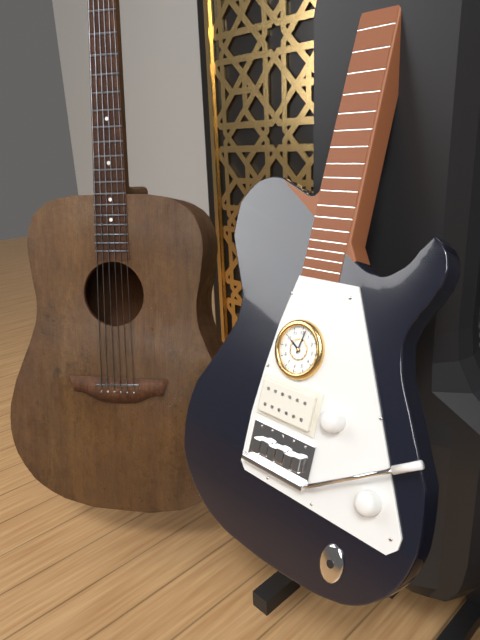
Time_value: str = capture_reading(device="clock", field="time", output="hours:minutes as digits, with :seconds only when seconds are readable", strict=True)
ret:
10:02
